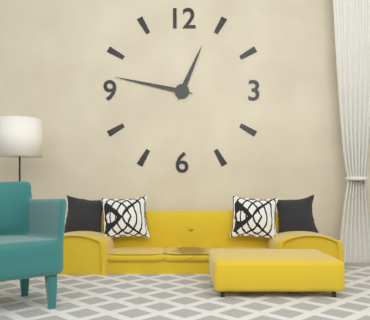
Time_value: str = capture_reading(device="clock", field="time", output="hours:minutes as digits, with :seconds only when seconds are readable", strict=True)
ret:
12:47
